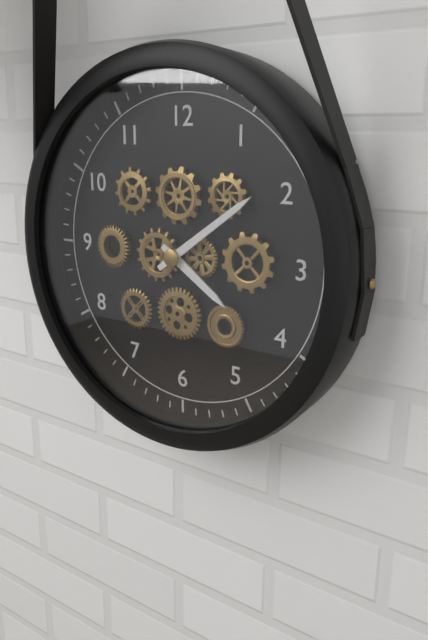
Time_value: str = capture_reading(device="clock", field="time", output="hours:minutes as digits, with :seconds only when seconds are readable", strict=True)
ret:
4:09
